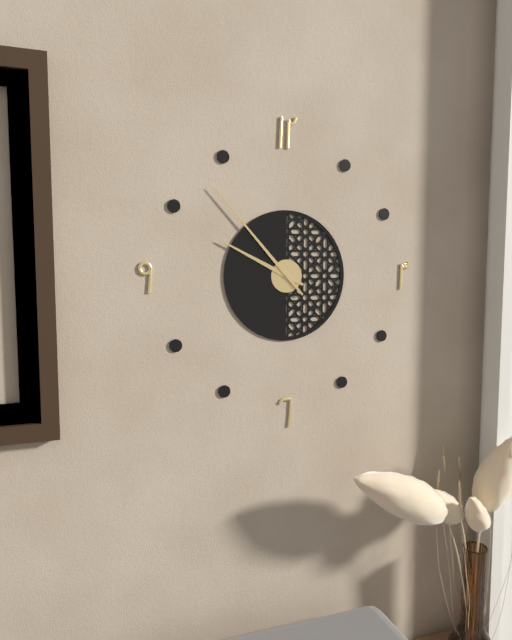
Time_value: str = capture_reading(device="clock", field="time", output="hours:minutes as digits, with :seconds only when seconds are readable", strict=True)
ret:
9:53
